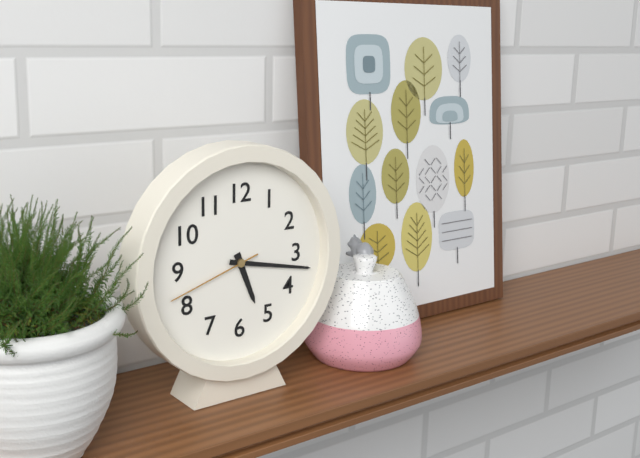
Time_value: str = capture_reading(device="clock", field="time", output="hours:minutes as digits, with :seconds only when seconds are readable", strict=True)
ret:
5:17:42
